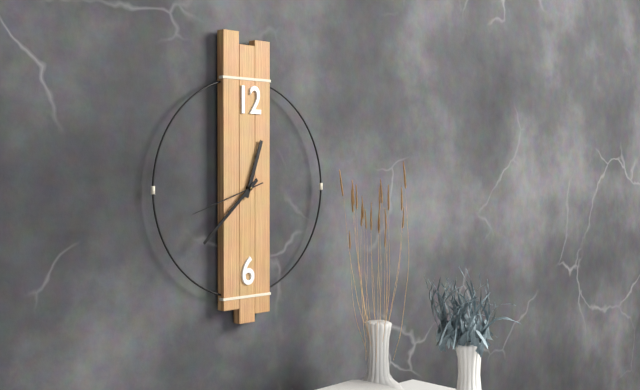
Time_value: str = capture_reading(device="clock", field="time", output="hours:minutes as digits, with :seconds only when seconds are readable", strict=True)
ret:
12:38:42
